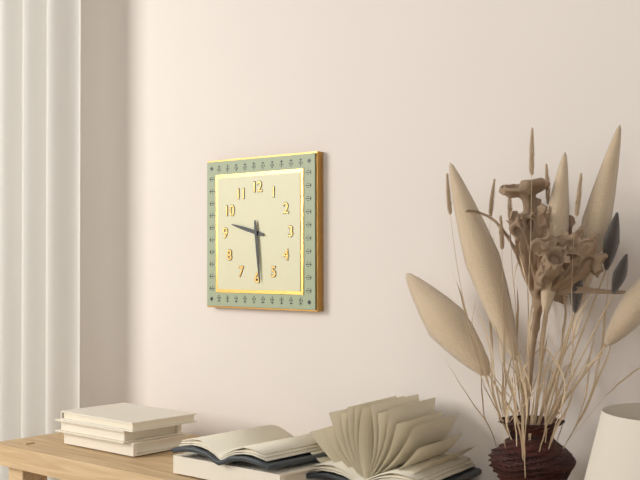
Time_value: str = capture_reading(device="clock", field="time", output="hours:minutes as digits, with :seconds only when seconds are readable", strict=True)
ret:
9:29
